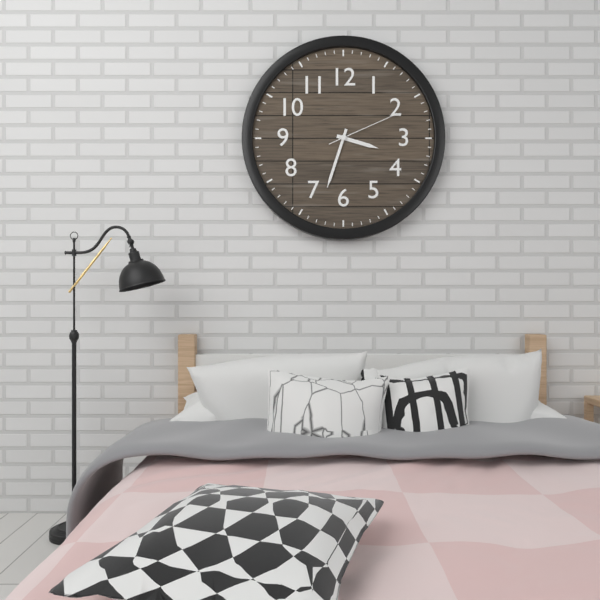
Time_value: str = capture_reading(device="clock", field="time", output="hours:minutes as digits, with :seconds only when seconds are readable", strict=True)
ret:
3:33:11
